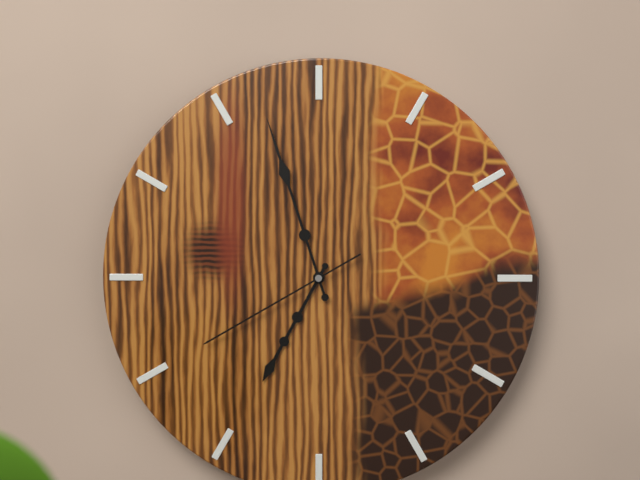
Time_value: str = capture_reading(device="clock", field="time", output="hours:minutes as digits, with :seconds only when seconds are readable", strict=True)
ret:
6:57:40
